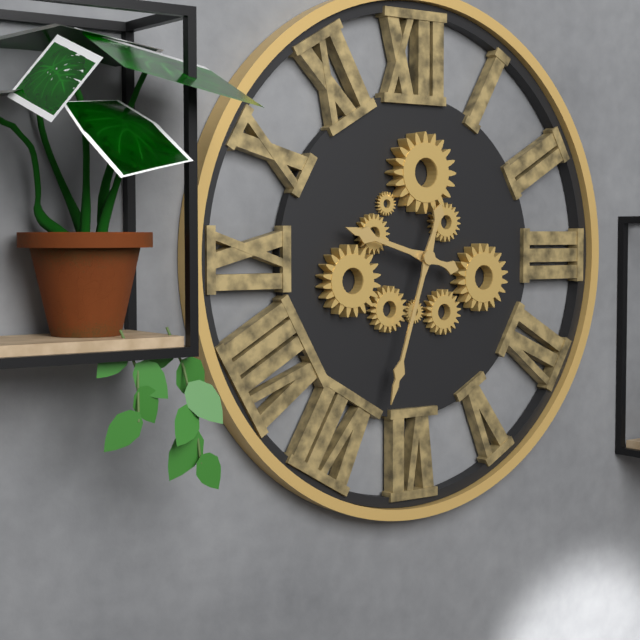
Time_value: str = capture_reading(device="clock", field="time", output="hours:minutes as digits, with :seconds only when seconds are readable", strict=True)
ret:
9:33
